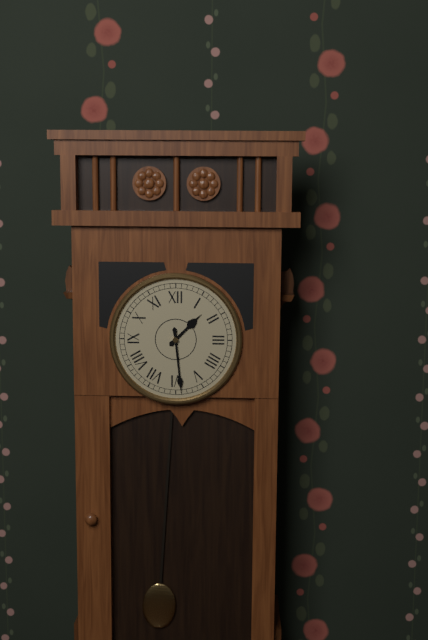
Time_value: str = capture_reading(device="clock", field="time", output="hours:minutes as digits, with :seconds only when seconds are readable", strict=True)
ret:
1:29
